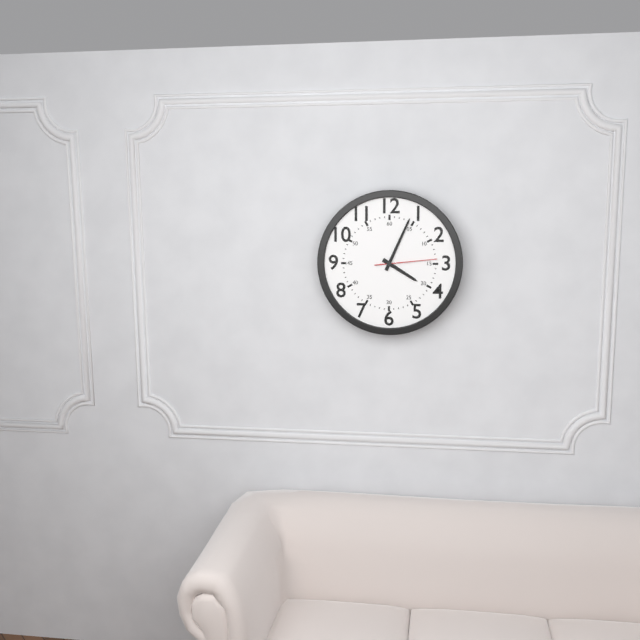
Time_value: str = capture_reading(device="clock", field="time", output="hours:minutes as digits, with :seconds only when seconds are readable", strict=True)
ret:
4:04:14
